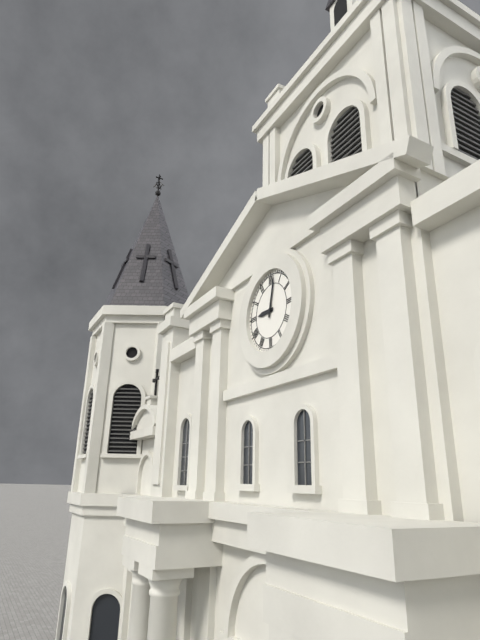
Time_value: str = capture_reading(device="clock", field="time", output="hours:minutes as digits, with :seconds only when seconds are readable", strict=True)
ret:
9:02
